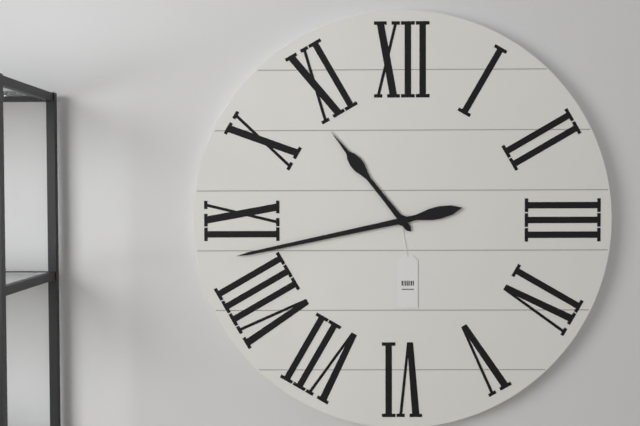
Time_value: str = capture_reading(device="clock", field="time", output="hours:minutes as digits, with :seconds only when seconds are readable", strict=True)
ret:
10:43
